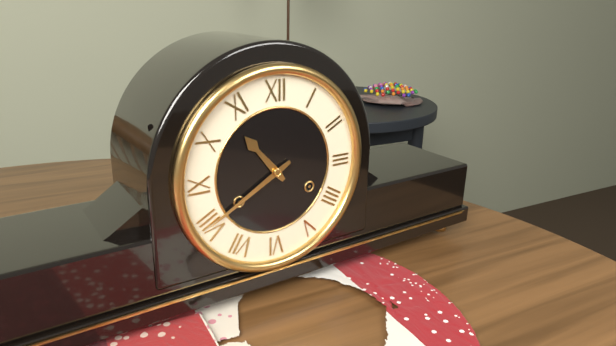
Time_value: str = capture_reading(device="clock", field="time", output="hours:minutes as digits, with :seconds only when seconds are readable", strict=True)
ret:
10:40
